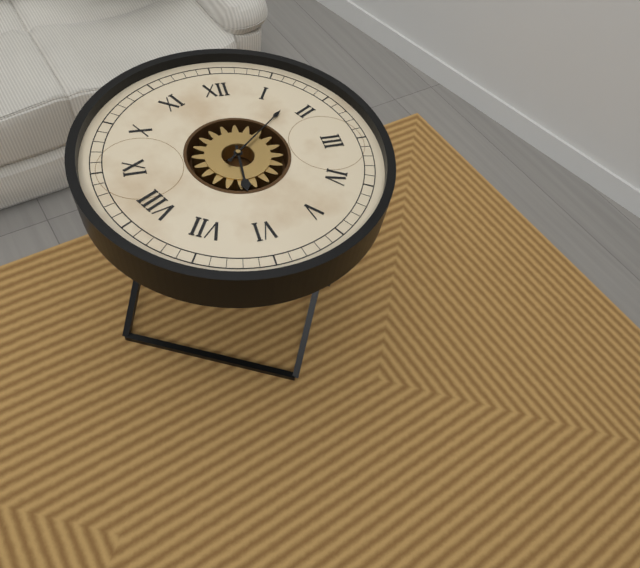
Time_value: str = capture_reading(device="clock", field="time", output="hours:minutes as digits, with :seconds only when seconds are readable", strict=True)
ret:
6:08
